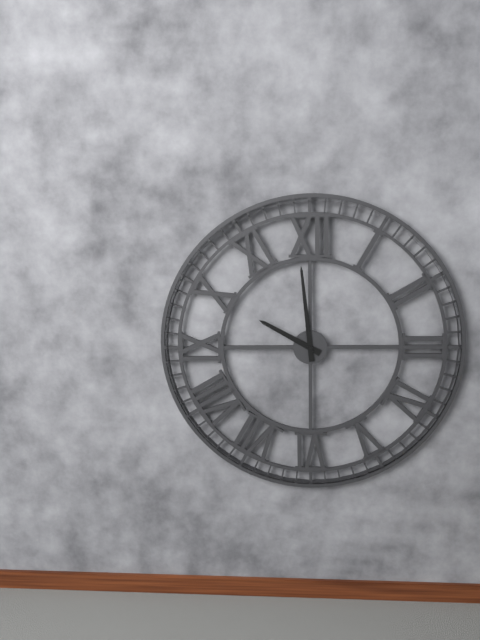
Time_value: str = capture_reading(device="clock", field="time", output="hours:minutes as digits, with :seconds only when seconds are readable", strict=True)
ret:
9:59
